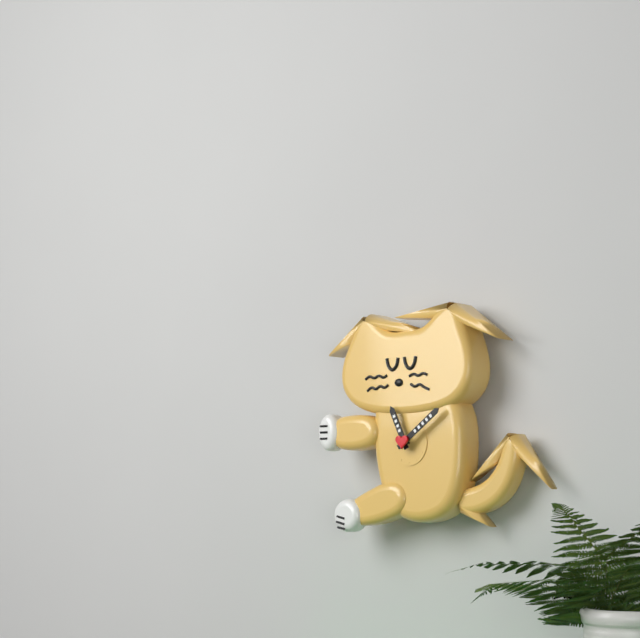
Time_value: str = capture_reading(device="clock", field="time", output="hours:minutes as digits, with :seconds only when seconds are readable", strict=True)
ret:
11:09
